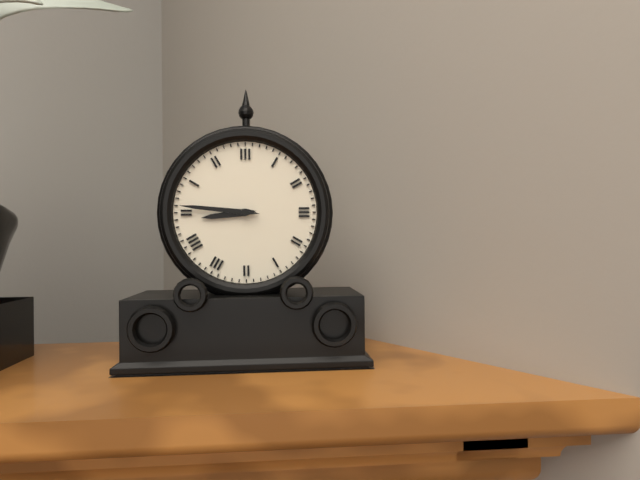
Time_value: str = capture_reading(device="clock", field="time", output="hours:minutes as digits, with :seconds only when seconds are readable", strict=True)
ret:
8:46
